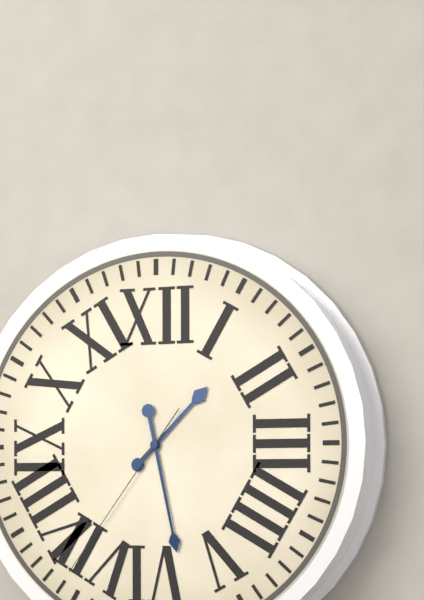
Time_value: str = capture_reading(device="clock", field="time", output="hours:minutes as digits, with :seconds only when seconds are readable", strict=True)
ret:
1:28:36
